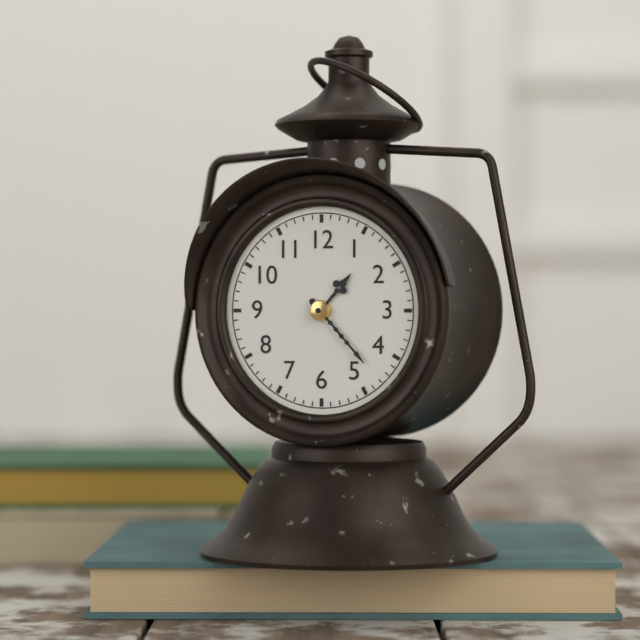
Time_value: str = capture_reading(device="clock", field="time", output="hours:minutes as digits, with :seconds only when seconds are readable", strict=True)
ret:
1:23
